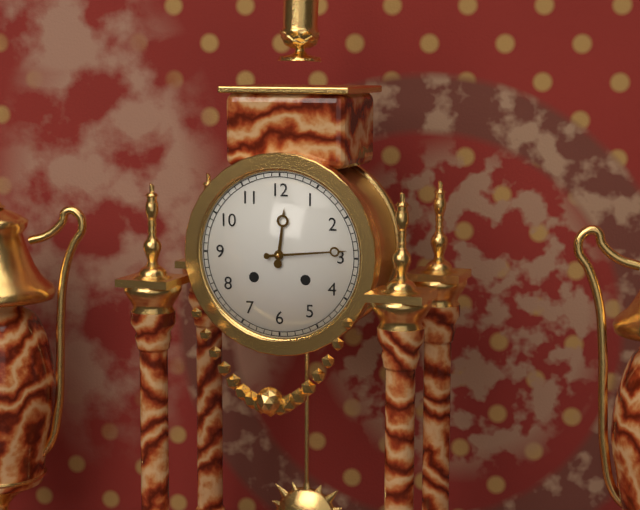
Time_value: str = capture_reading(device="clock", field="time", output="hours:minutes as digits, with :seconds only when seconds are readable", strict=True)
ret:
12:14
